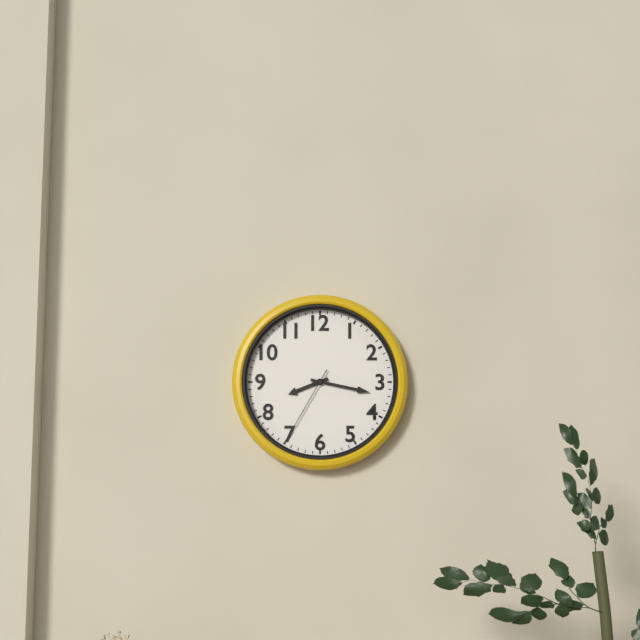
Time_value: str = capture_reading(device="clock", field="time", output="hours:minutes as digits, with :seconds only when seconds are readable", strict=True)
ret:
8:17:35
